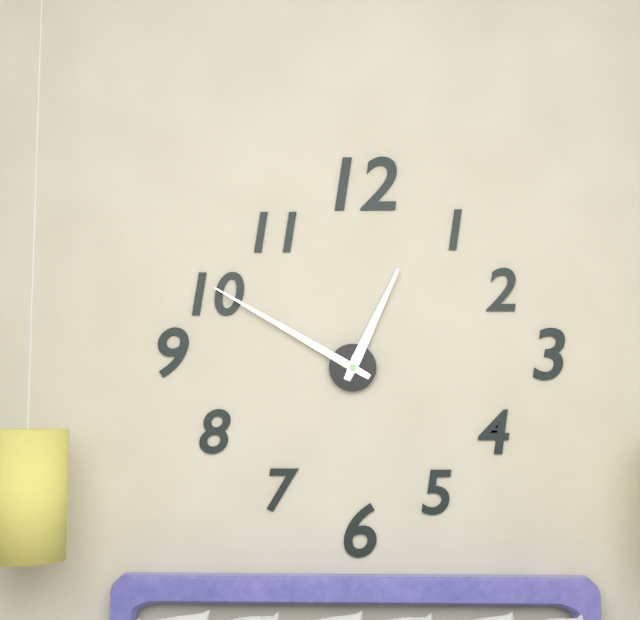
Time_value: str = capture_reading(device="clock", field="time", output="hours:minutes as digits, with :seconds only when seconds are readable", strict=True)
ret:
12:50
